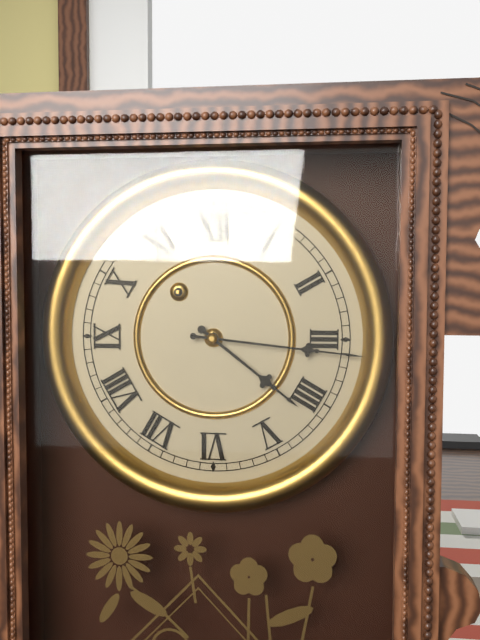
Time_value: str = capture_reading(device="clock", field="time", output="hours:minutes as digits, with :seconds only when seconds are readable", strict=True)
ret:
4:16
